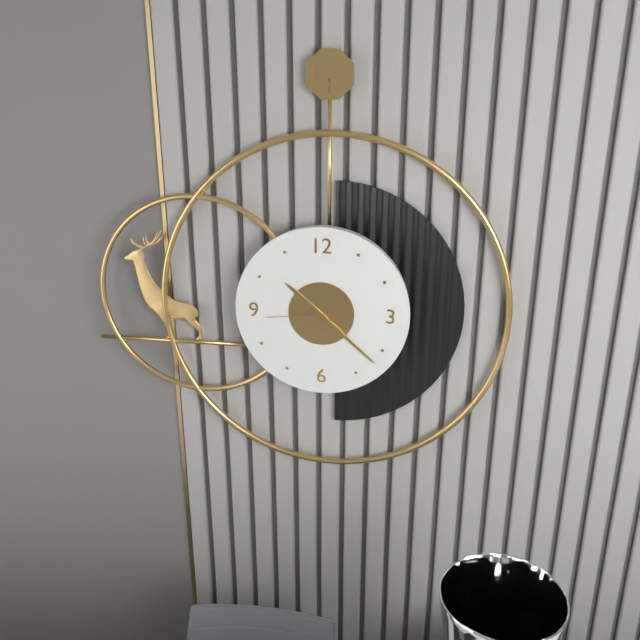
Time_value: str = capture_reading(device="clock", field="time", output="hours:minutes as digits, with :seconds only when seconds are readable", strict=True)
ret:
10:22:44
